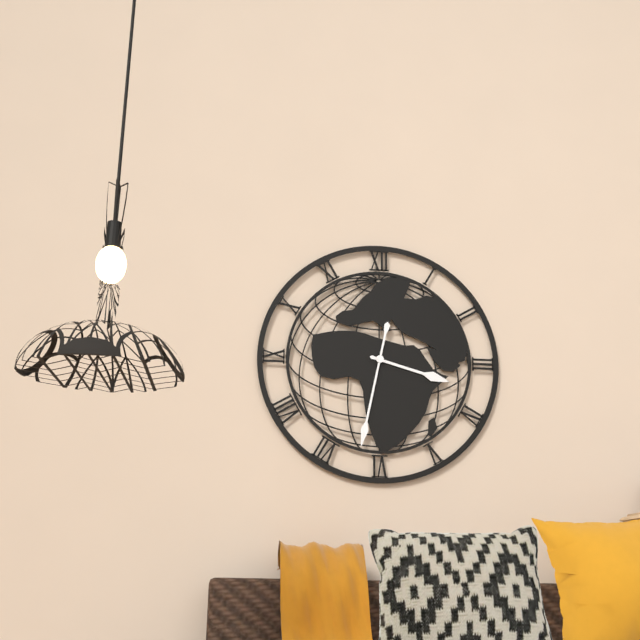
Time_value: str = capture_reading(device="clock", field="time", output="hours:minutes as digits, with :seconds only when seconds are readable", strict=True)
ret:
3:32
